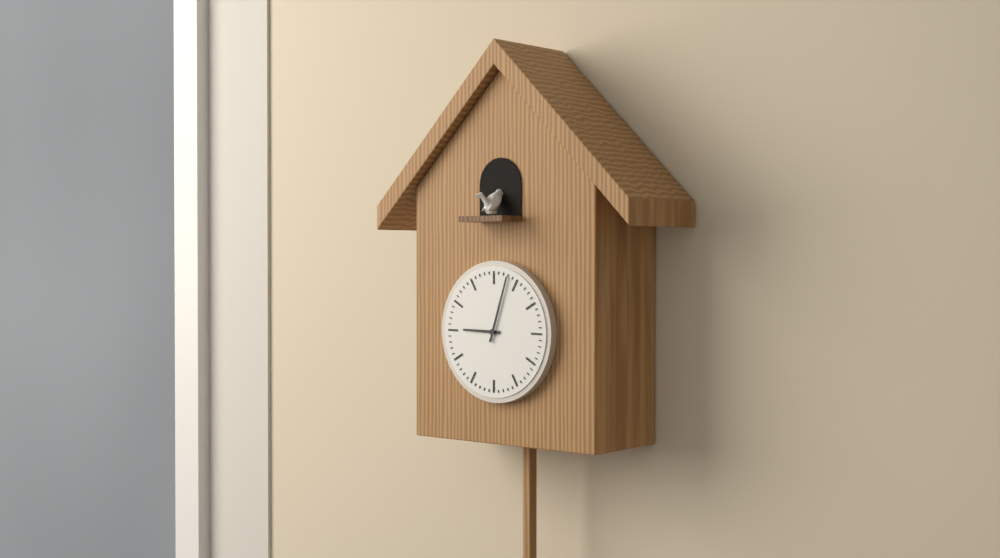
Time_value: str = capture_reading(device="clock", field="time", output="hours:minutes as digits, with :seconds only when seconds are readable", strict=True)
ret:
9:03
